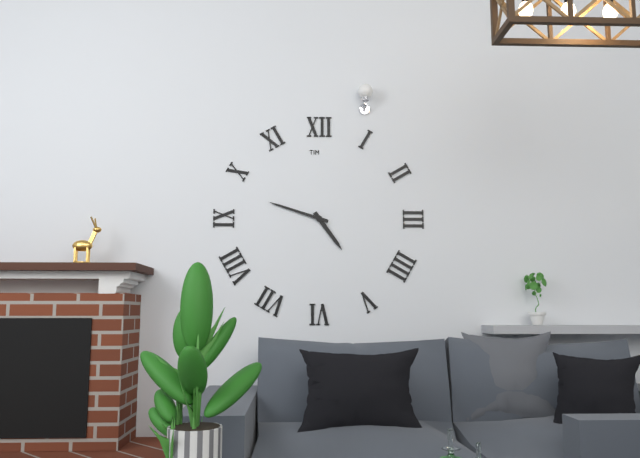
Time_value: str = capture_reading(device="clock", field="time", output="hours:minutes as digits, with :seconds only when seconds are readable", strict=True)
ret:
4:48
